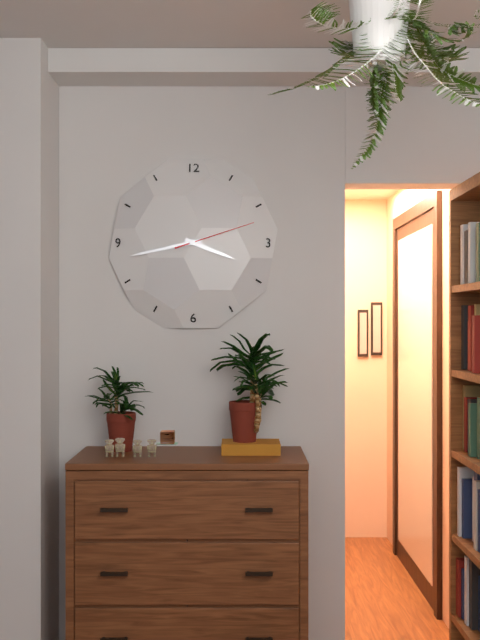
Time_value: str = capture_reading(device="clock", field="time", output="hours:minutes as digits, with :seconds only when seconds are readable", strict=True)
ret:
3:43:12
